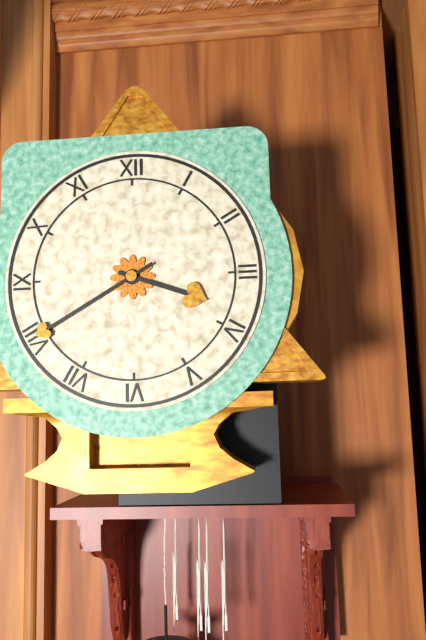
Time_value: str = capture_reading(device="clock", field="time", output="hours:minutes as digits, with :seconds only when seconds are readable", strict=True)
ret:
3:40
